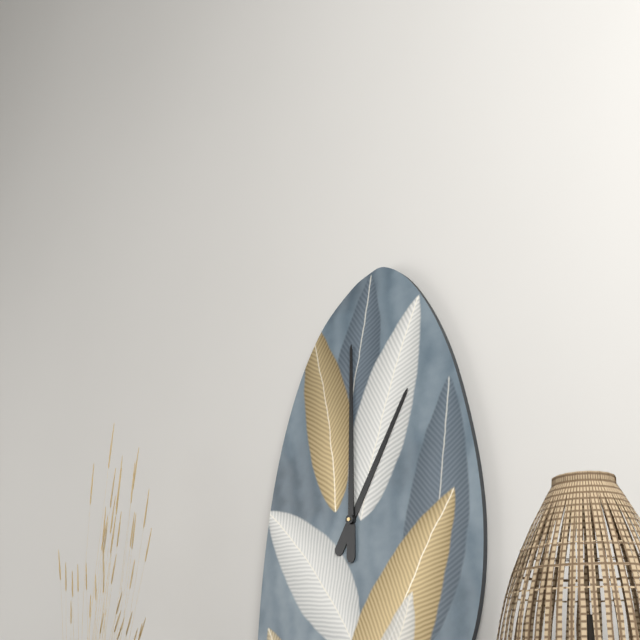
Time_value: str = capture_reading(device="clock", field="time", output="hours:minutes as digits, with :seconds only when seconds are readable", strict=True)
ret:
1:00
